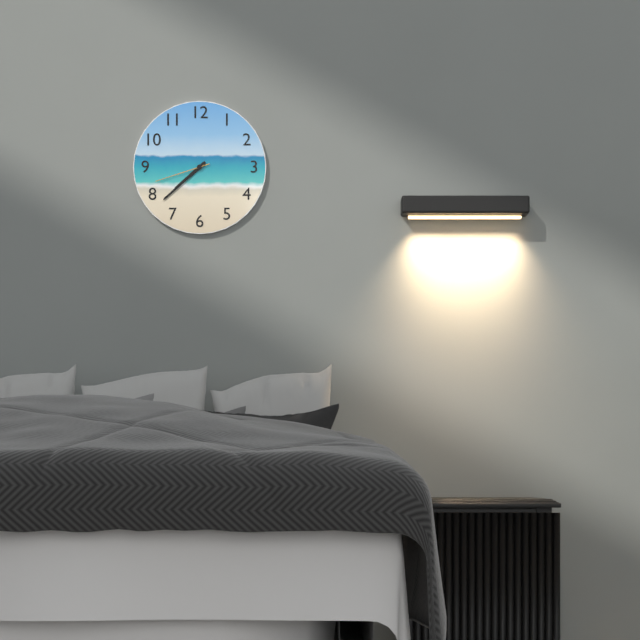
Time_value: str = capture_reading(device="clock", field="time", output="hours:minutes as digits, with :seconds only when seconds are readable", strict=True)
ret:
7:38:42
